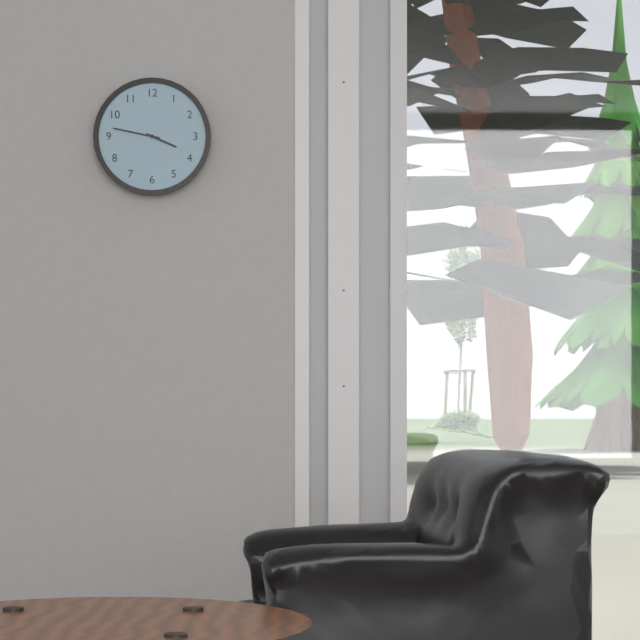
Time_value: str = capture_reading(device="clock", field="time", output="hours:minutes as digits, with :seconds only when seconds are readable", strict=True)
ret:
3:47
